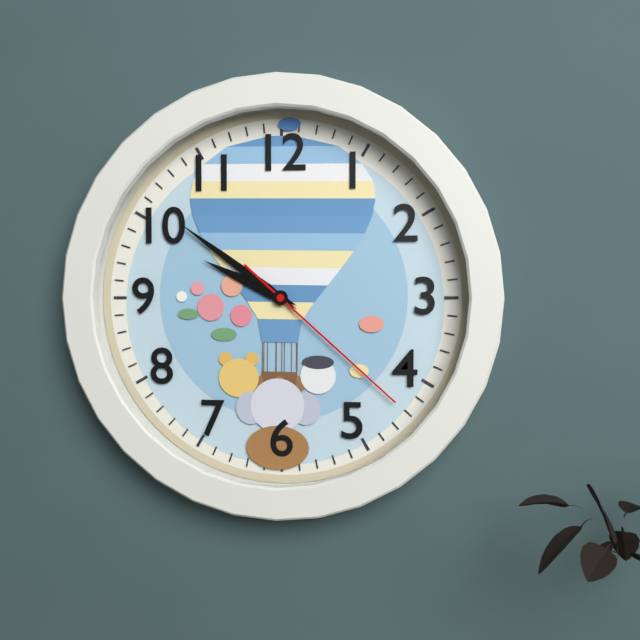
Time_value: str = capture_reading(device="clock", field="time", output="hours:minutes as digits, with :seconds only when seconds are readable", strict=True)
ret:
9:51:22
